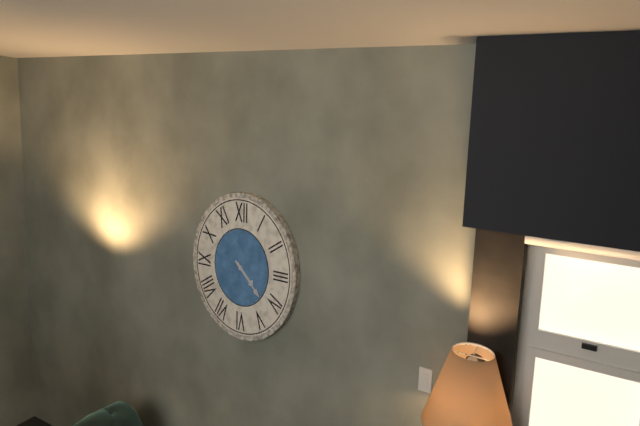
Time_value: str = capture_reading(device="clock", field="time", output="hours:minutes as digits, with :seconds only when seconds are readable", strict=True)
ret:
4:22
